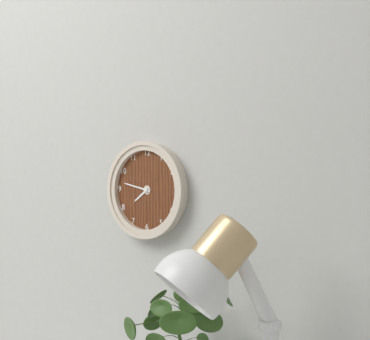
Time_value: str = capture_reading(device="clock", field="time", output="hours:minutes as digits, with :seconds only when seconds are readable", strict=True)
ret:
7:47
